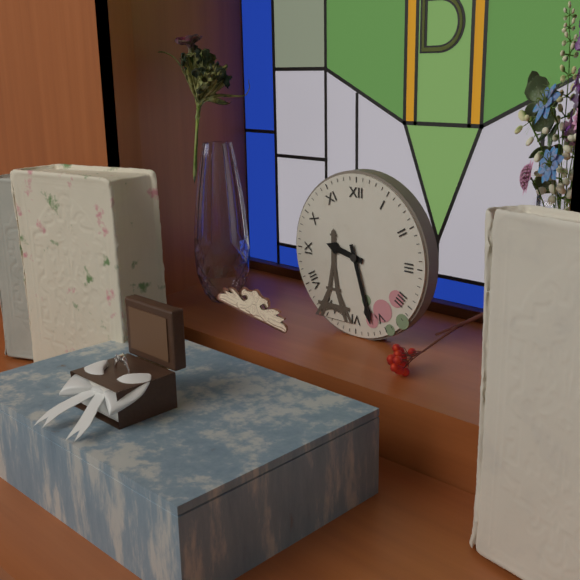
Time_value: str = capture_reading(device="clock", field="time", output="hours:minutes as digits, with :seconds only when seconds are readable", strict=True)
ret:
9:27
